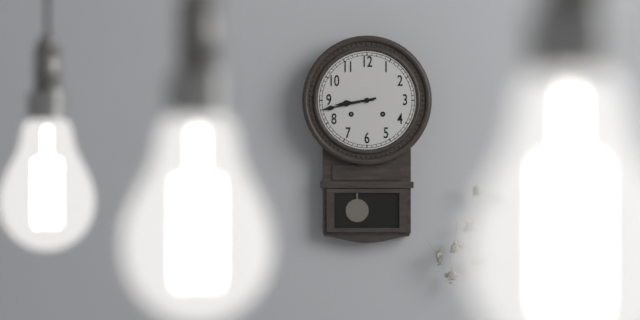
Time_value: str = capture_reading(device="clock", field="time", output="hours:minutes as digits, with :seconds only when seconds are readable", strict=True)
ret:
8:43
